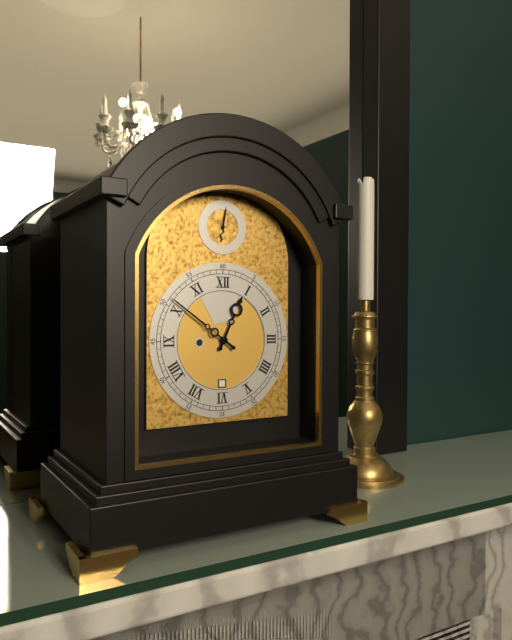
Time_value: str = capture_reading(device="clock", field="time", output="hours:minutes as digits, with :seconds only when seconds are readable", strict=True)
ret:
12:51
